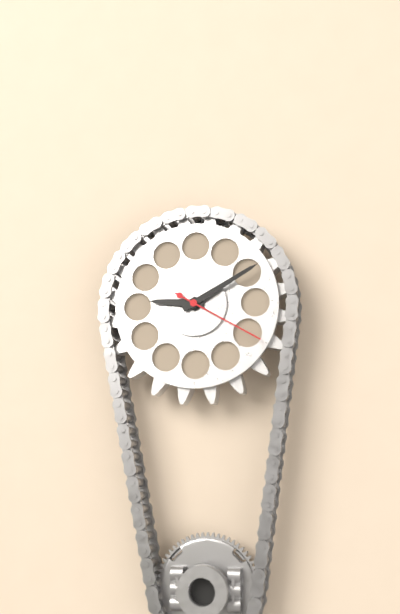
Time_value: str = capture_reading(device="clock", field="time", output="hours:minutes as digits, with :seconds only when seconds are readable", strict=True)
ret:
9:10:20
